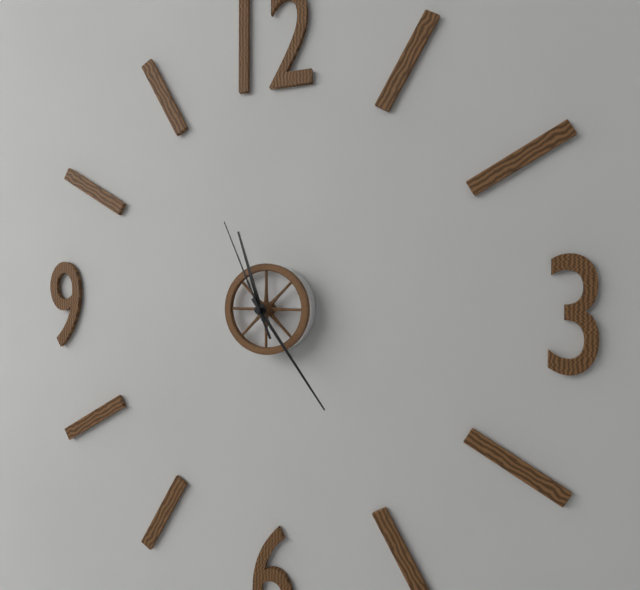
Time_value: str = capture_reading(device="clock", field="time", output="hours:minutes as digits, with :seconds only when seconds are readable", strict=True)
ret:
11:24:56
